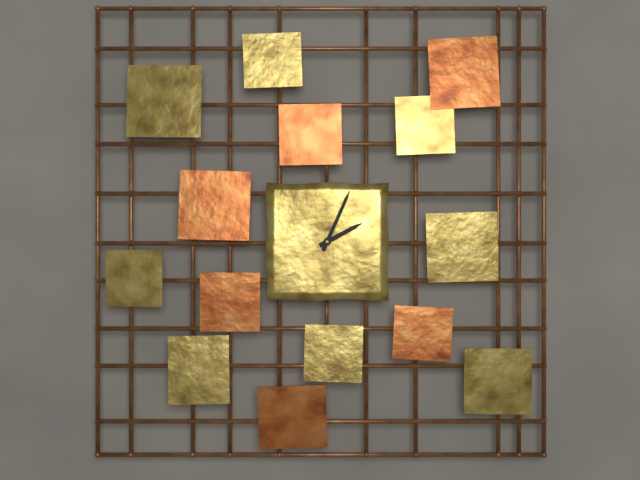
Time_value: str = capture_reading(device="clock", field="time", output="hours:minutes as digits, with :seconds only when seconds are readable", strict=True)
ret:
2:04
